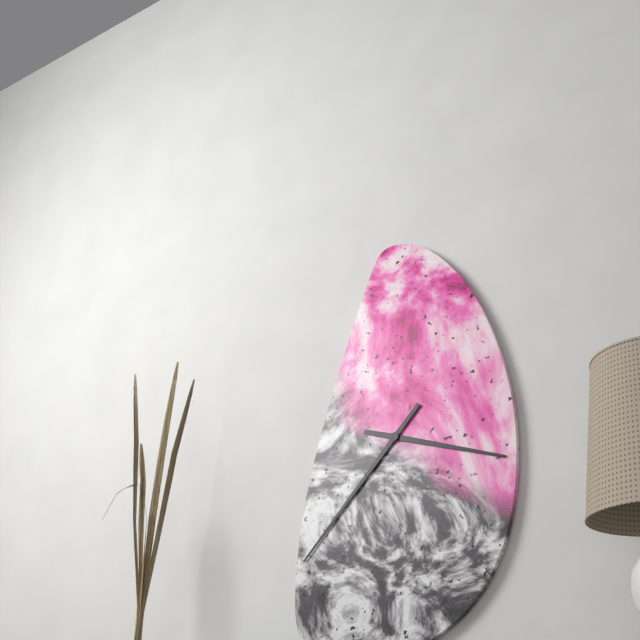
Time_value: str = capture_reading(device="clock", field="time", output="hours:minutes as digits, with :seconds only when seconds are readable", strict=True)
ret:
3:37
